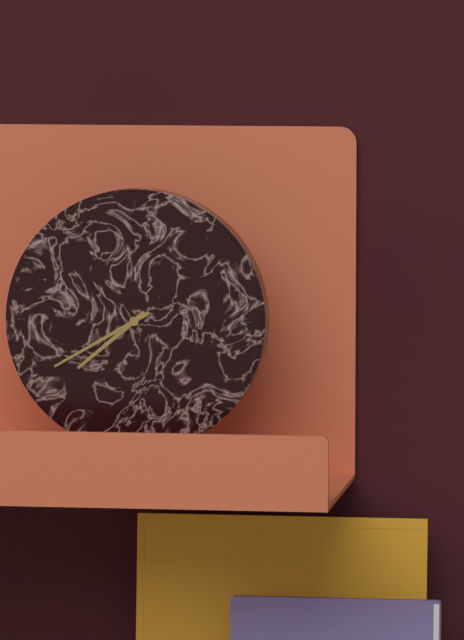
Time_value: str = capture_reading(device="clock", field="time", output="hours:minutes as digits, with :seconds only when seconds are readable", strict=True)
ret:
7:40
